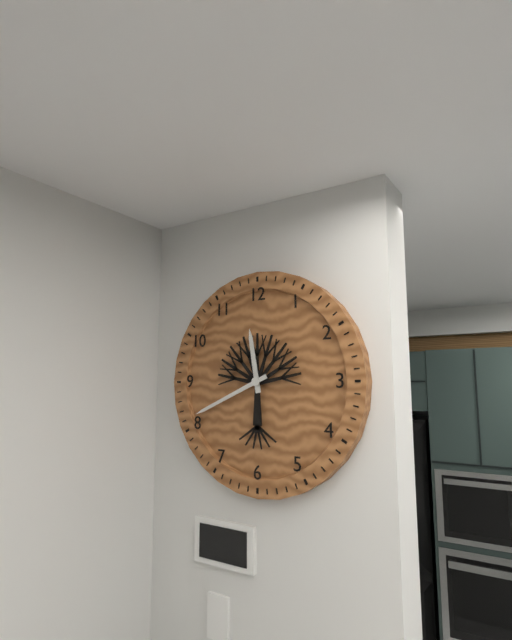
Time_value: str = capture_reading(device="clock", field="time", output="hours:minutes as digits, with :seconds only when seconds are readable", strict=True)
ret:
11:41
